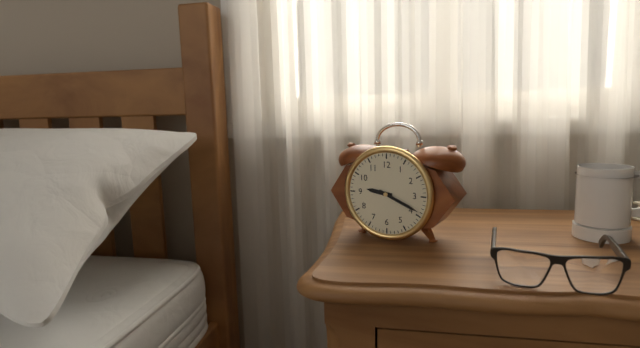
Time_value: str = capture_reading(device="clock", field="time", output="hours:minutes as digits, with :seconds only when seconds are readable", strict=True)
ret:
9:19
